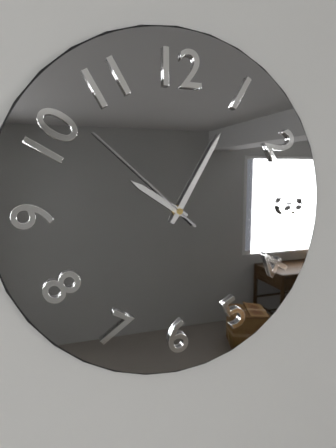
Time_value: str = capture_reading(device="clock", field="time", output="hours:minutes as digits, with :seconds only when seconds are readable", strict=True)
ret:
10:05:52
